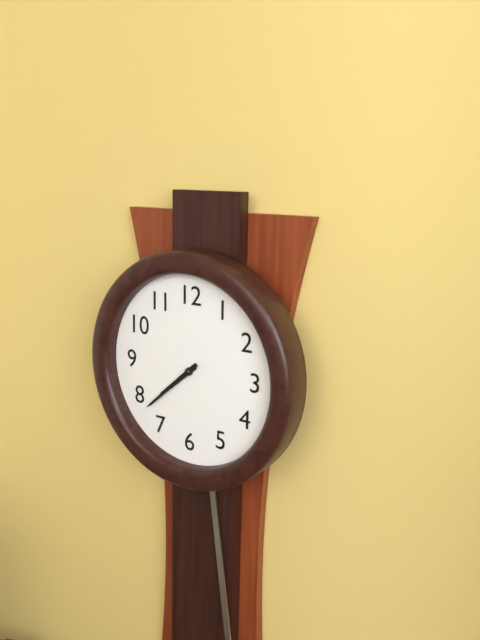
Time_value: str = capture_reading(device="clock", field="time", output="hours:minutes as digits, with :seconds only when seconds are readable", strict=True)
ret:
7:38
